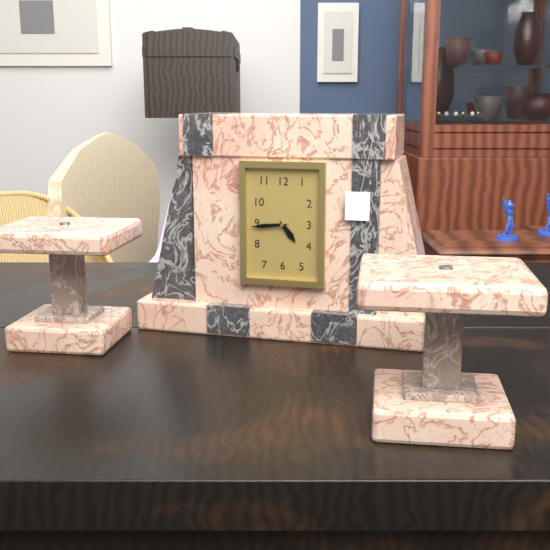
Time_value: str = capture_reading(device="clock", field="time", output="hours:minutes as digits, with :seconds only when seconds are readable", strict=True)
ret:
4:44
